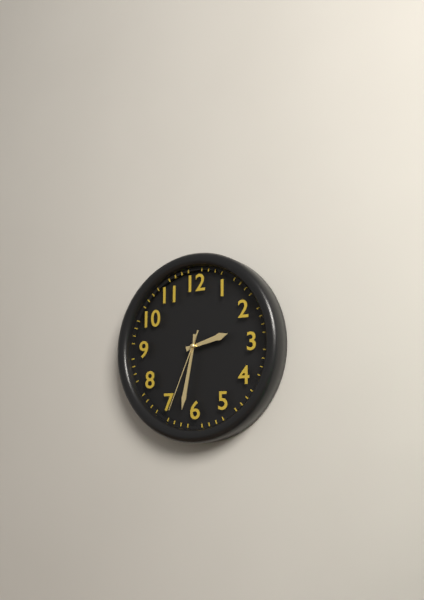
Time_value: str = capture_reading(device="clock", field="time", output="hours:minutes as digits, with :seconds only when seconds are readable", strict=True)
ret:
2:32:34
